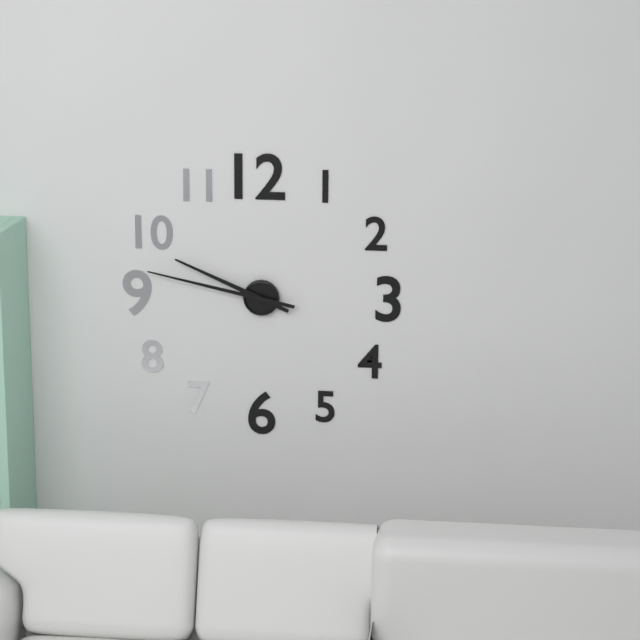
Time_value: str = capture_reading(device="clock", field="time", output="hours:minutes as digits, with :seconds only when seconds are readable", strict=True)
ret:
9:47
